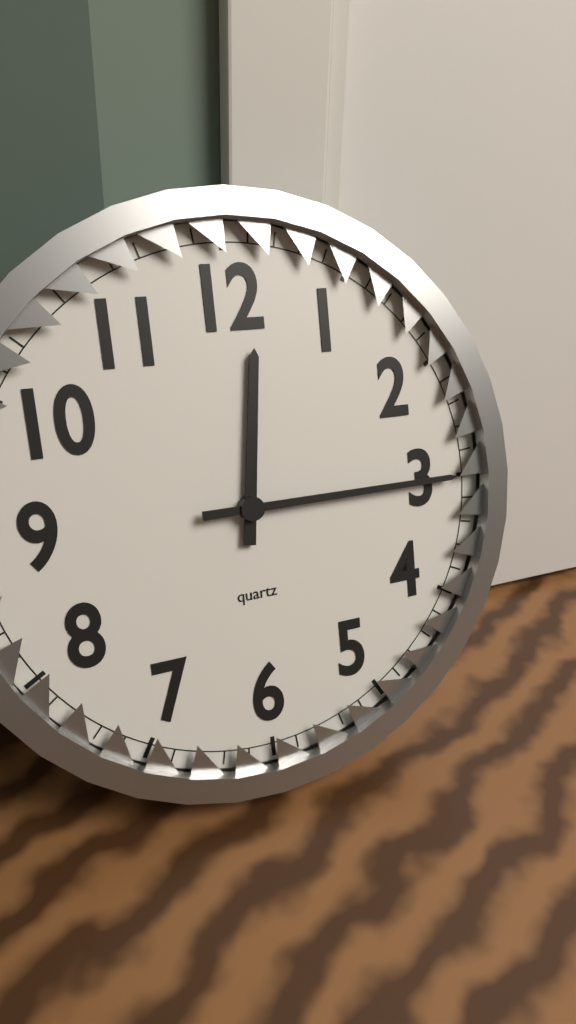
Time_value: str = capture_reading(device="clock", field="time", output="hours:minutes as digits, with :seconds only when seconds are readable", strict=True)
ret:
12:15
